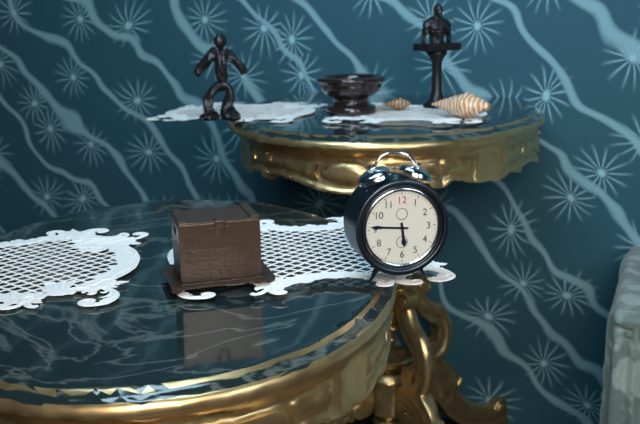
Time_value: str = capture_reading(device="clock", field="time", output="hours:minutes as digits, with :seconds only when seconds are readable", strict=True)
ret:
5:46
